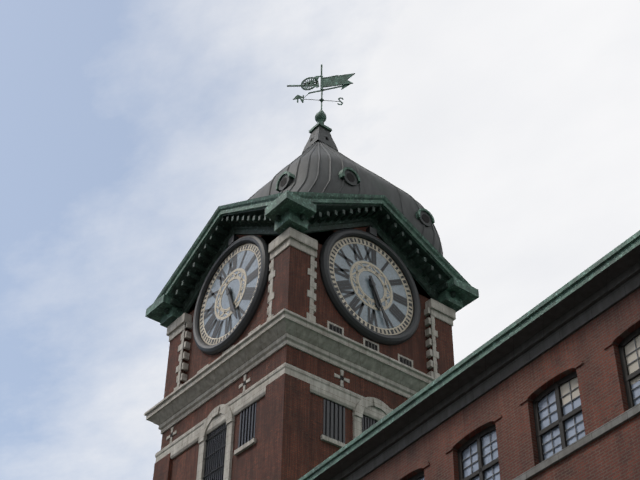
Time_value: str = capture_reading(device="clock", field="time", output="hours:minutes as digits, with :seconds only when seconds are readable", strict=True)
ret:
5:26
